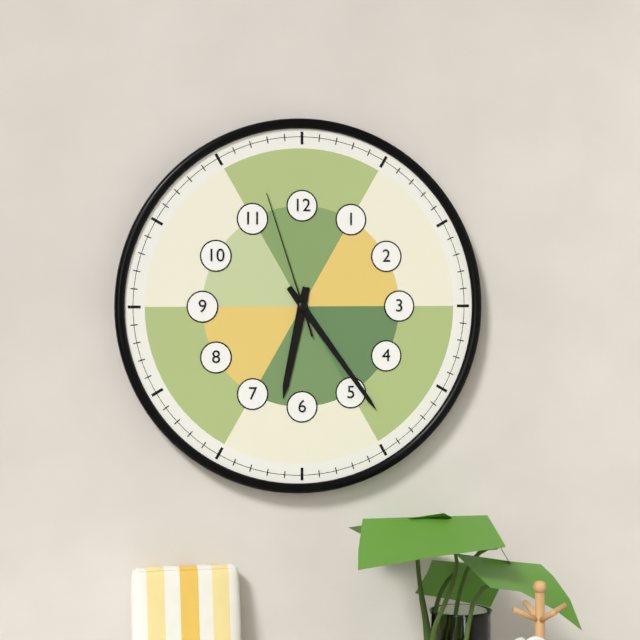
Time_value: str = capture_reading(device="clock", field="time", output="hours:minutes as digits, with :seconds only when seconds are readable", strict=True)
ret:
6:24:57
